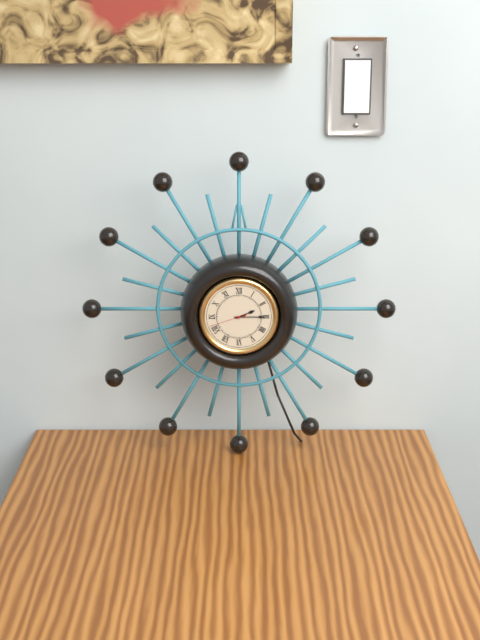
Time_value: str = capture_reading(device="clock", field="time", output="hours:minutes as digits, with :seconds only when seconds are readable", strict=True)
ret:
2:15
